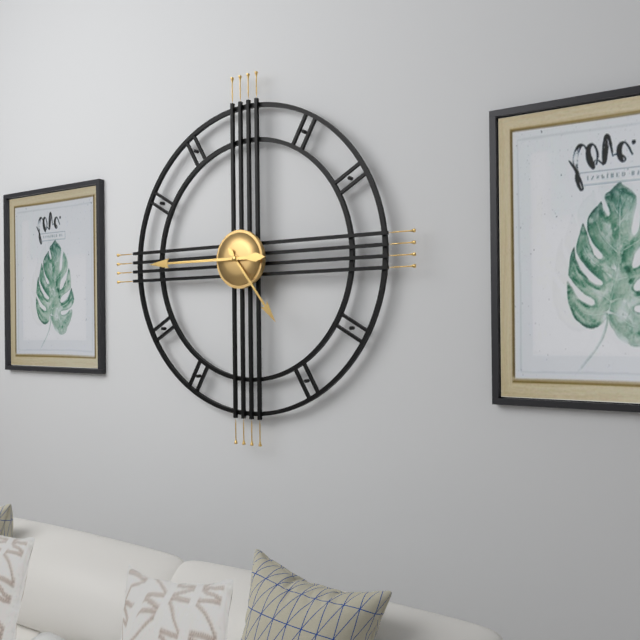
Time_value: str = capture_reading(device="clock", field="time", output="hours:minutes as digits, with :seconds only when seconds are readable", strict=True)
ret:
4:45
